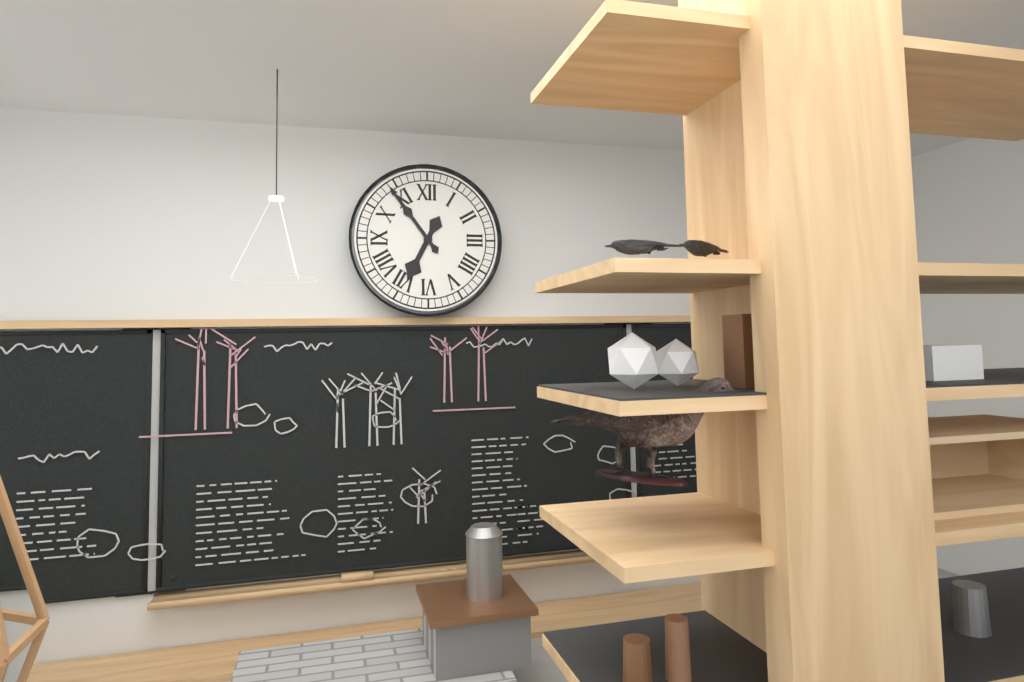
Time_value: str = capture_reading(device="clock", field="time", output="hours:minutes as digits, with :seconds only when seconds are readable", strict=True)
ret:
6:54
